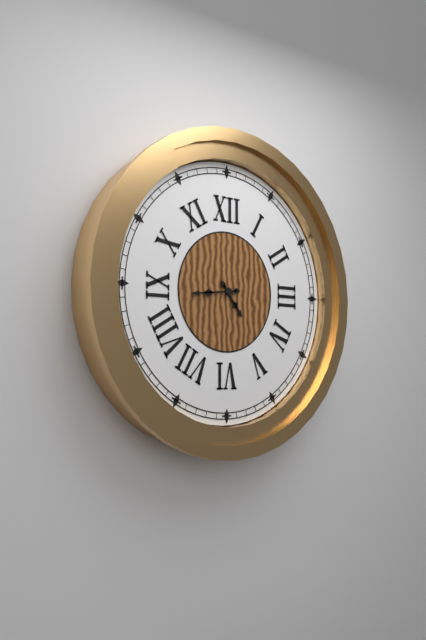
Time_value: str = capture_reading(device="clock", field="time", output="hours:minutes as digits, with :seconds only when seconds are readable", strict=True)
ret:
4:44
